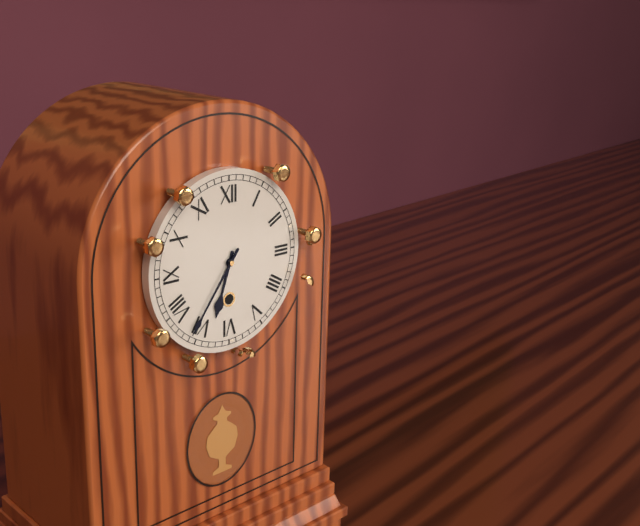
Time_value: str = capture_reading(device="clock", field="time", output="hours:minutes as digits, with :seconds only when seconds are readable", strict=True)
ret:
6:36
